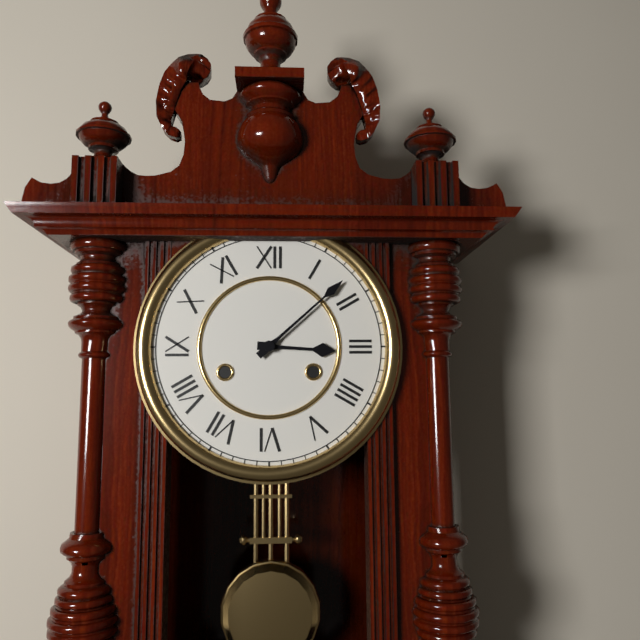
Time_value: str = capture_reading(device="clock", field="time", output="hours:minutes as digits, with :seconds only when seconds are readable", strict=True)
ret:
3:08
